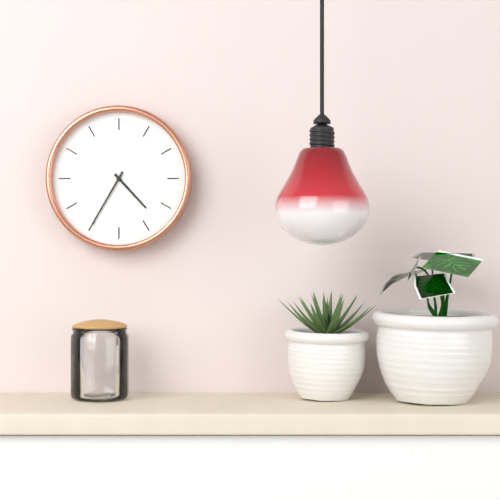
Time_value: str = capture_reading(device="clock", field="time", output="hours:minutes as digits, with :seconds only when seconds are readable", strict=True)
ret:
4:35
